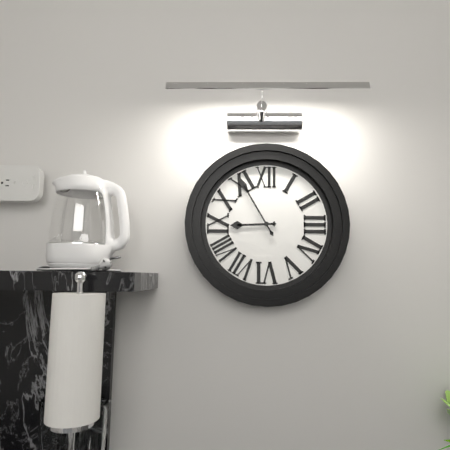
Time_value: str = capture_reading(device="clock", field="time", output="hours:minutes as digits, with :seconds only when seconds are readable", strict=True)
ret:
8:55
